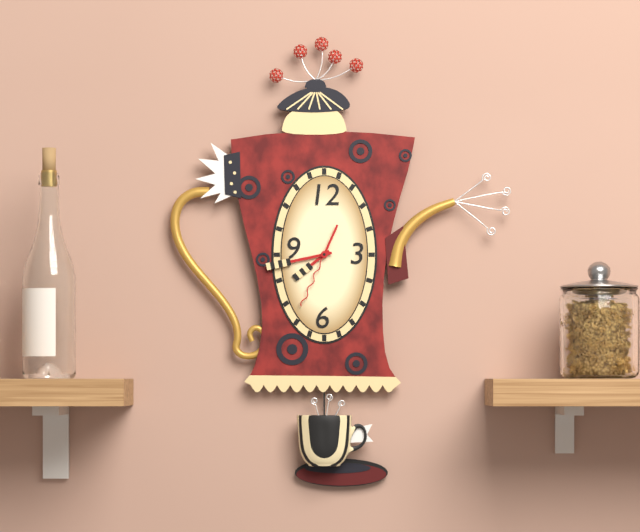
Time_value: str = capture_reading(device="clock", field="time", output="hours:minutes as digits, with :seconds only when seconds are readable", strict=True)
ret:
7:43:34
